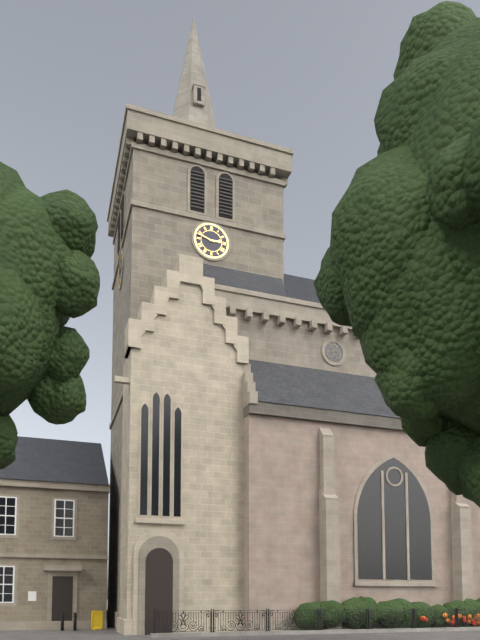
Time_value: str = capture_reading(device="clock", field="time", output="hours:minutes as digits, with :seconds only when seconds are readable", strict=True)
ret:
2:48
